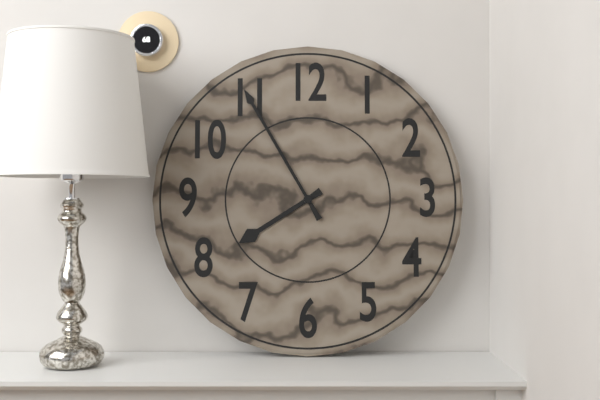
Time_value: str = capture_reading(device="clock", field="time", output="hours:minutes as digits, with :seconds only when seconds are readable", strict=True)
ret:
7:55
